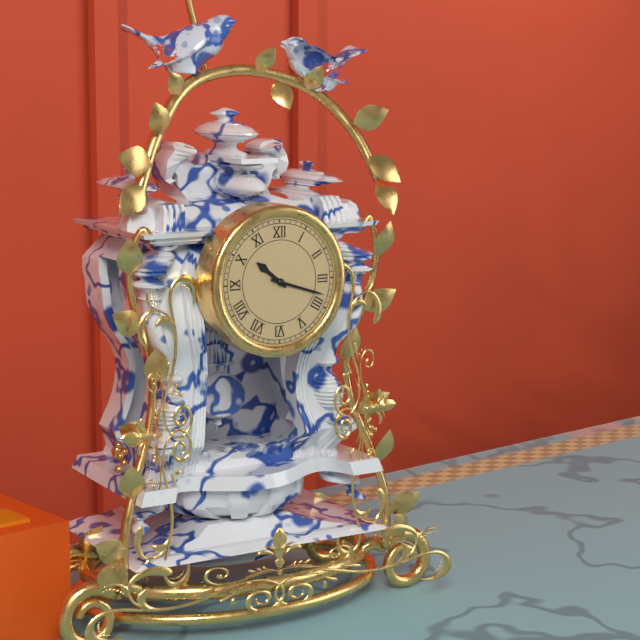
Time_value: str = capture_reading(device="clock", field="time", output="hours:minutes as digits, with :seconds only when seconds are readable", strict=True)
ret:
10:18
